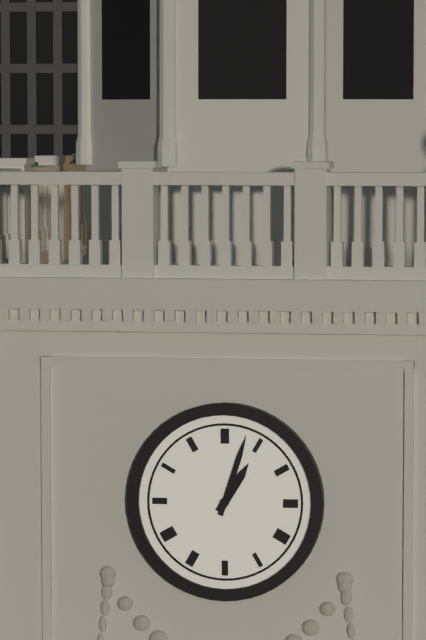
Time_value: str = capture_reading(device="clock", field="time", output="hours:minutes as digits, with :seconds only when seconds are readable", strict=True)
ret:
1:03
